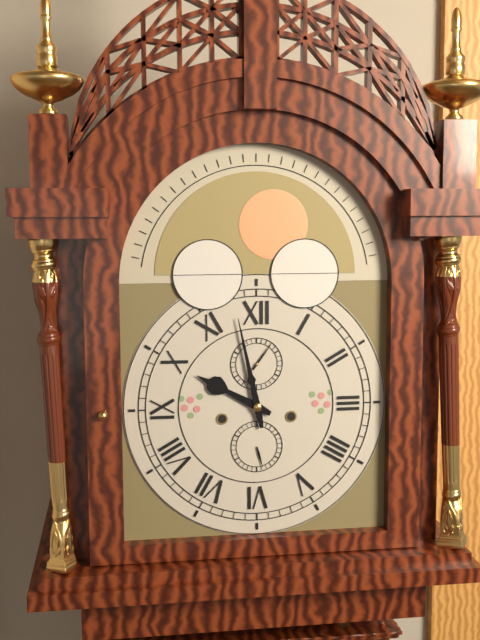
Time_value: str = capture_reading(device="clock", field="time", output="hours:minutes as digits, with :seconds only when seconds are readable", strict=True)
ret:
9:58
